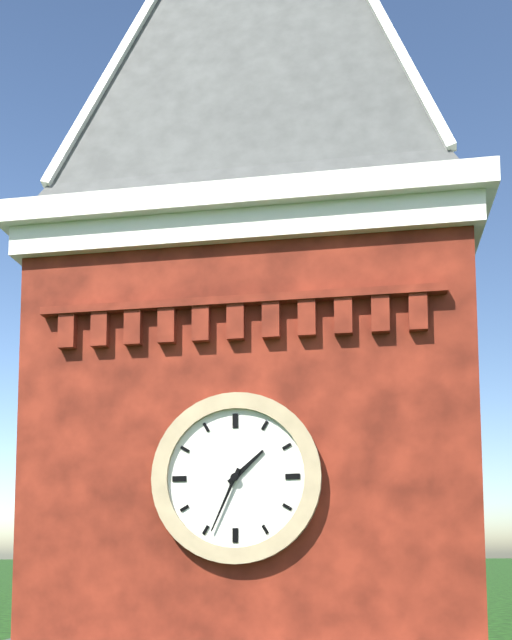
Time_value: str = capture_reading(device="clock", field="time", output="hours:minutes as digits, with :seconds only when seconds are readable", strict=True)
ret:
1:34
